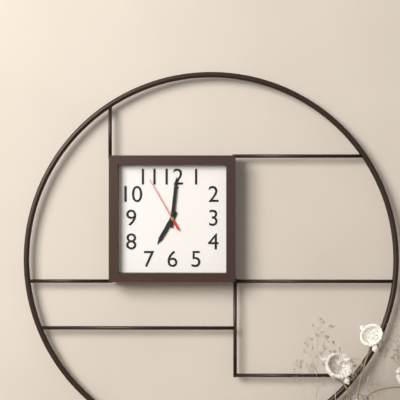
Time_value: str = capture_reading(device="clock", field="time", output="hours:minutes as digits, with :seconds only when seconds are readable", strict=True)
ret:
7:01:55
